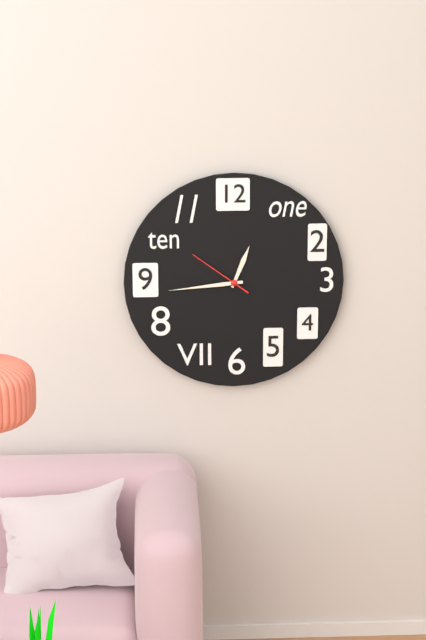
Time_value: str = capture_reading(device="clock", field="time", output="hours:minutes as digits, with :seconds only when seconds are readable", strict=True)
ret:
12:44:51
